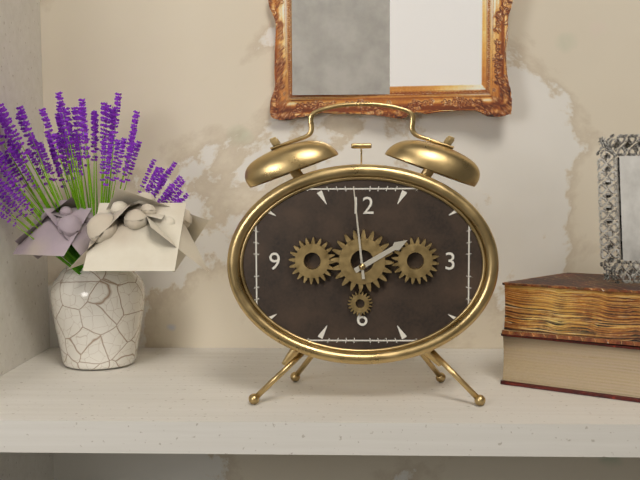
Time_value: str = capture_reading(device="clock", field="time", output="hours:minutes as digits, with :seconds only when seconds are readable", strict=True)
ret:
1:59
